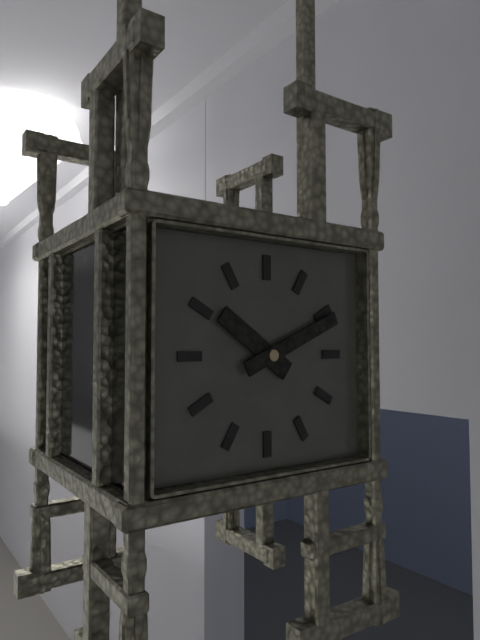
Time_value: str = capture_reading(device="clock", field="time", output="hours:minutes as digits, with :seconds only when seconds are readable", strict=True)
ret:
10:11
